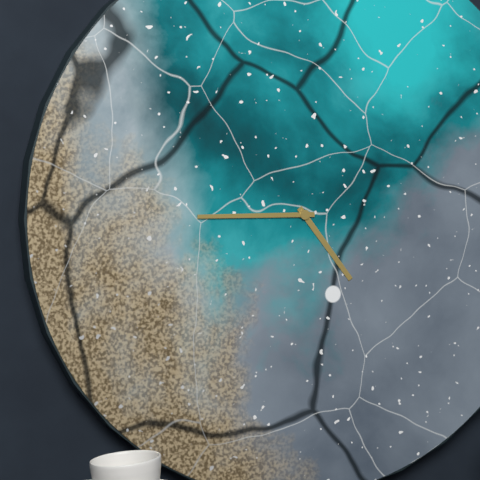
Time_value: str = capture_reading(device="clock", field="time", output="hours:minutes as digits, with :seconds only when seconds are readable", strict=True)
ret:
4:45
